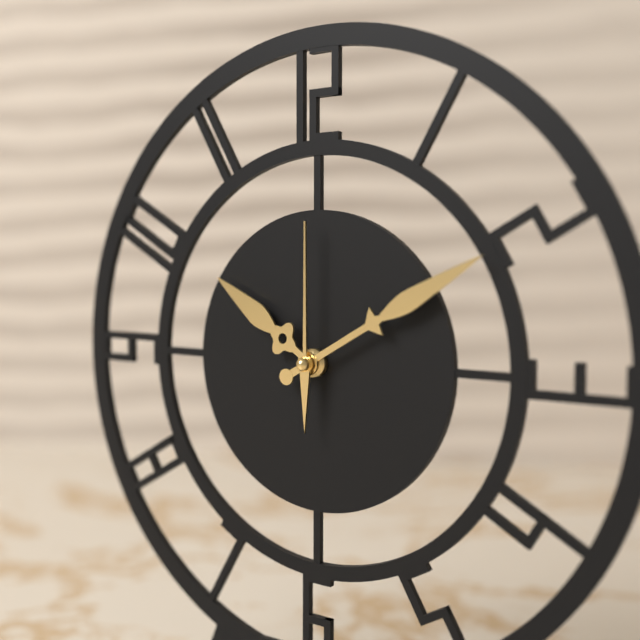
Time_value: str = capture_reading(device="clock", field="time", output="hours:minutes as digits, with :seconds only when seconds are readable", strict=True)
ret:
10:10:00
